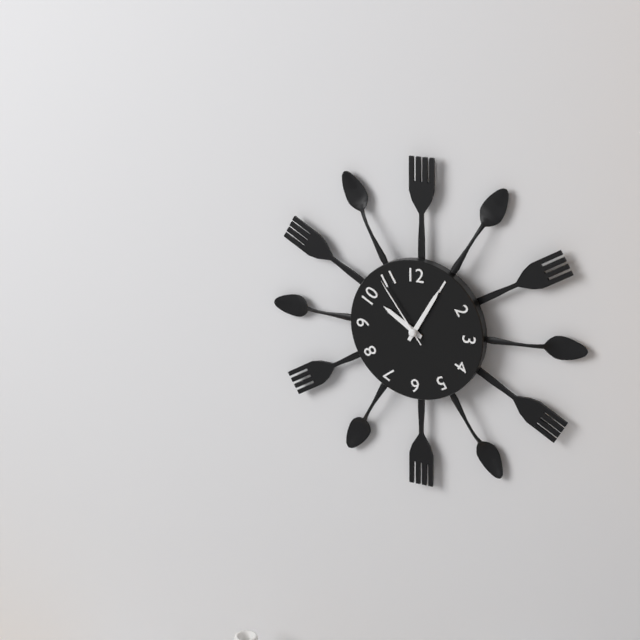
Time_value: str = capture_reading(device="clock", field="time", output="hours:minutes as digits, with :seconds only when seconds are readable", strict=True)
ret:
10:05:54
